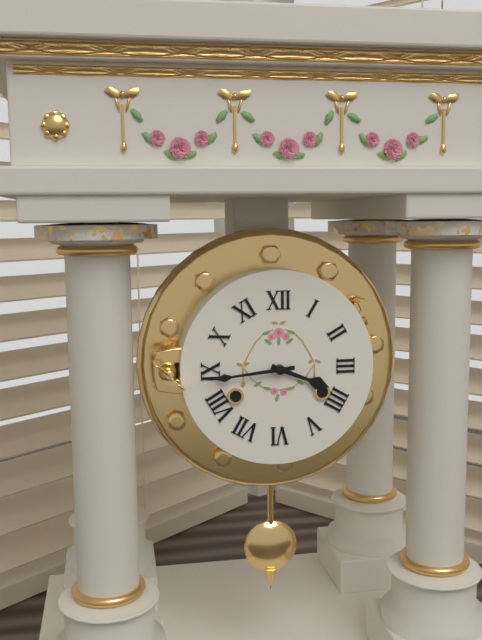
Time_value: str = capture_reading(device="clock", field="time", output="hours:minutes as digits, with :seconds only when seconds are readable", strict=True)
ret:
3:44
